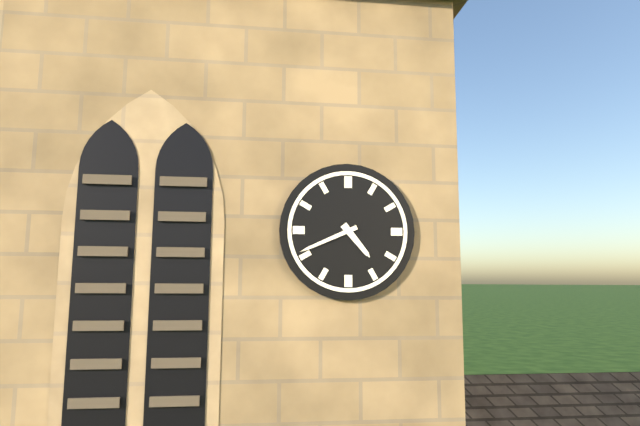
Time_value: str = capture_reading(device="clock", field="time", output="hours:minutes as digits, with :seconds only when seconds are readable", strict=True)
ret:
4:41
